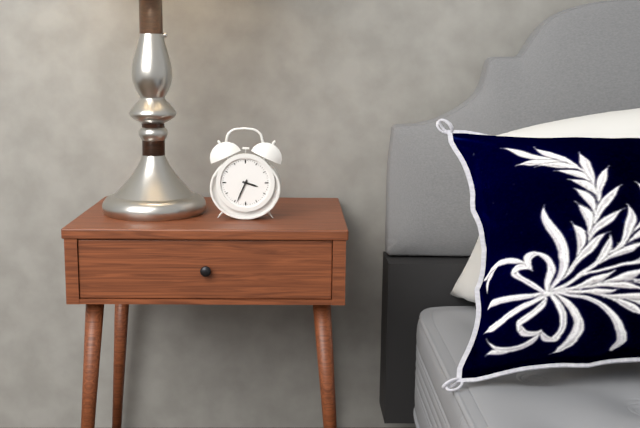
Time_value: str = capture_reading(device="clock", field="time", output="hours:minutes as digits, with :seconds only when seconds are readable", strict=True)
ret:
3:34
